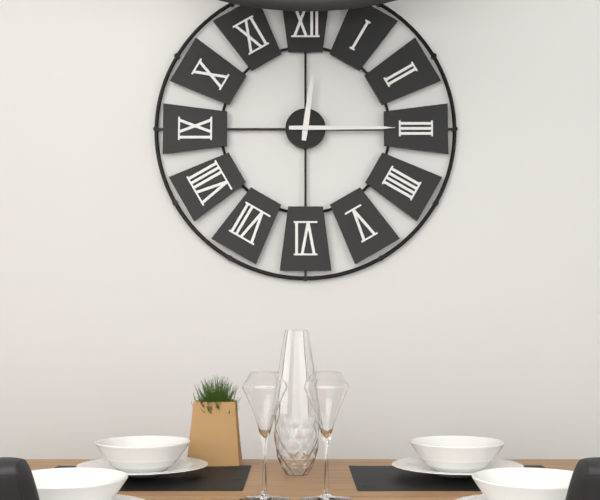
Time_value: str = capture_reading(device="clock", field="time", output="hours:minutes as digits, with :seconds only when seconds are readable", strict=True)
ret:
12:15
